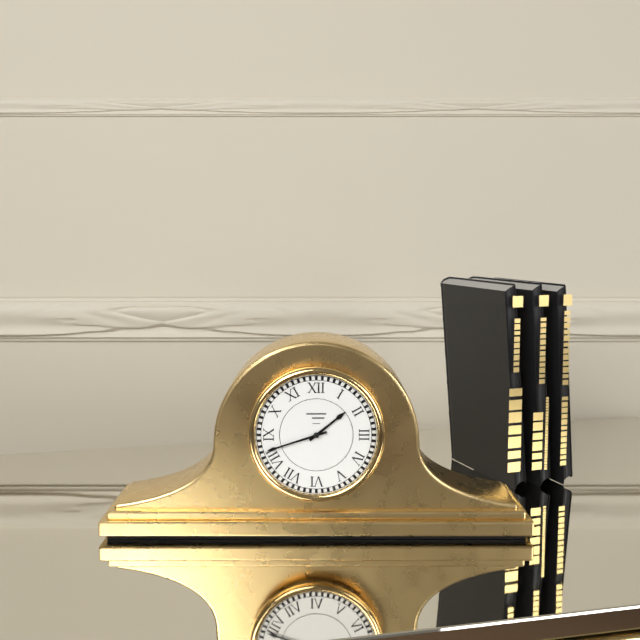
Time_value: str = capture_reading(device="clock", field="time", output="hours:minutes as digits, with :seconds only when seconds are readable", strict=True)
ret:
1:42
